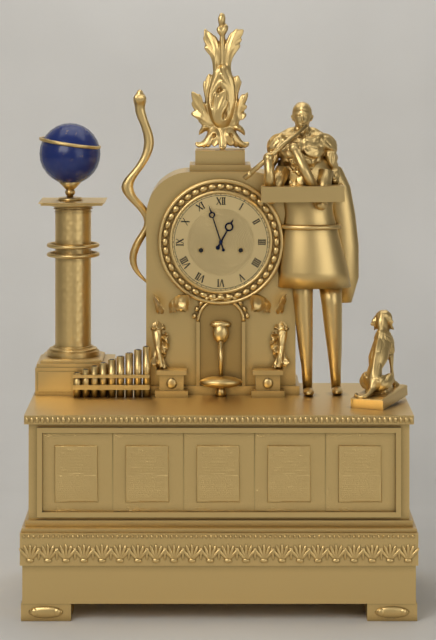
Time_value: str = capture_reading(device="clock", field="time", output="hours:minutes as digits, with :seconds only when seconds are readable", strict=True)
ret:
12:57
